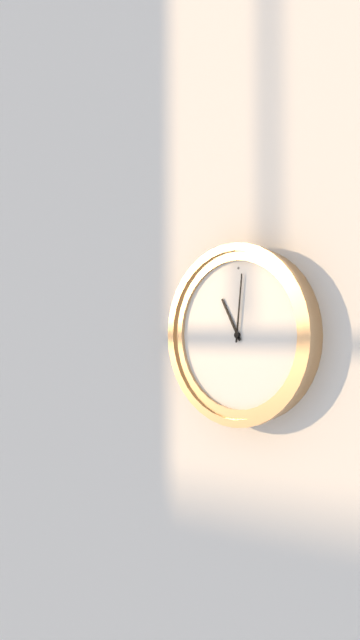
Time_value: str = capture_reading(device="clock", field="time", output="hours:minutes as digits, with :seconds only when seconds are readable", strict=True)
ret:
11:01
